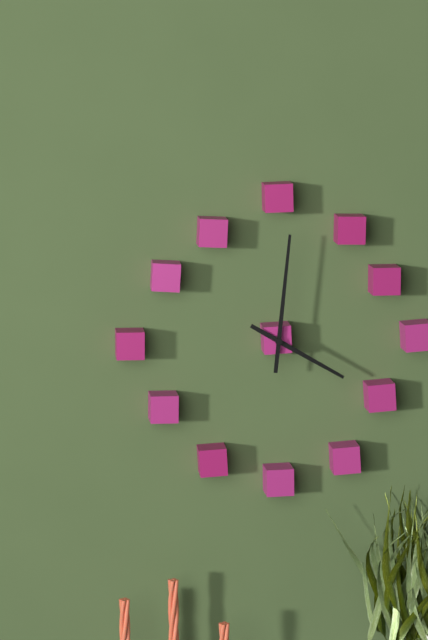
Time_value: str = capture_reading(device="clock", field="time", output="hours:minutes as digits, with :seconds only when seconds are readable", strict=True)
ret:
4:01
